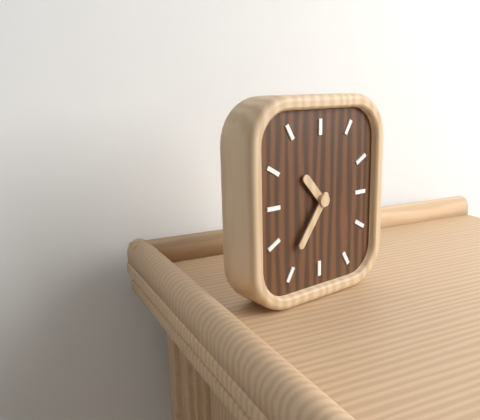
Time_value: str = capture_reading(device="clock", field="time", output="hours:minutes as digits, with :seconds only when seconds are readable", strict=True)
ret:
10:36
